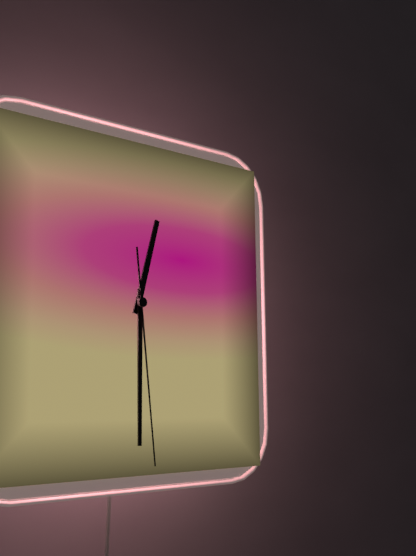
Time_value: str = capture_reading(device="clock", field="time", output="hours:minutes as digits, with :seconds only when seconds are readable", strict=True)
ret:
12:30:29
